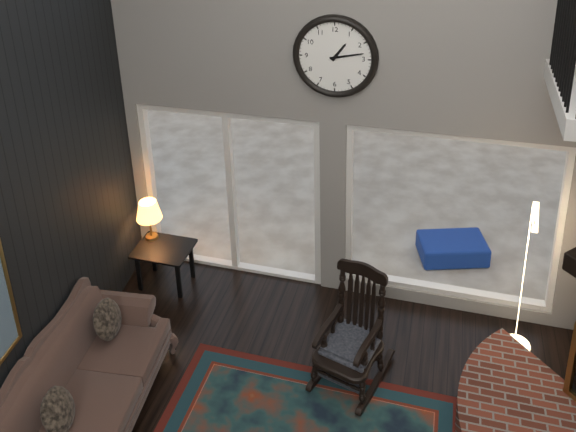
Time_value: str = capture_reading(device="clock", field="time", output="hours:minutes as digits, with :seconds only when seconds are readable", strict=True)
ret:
1:13
